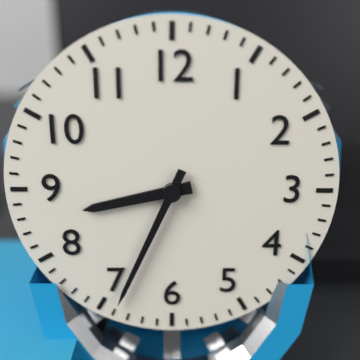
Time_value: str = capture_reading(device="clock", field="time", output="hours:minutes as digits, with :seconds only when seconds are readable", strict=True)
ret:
8:34
